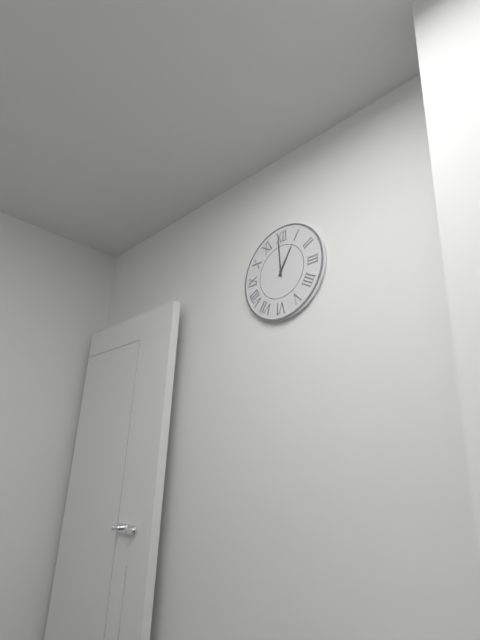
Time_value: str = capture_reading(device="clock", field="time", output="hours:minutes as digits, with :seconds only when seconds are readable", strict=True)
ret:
12:59
